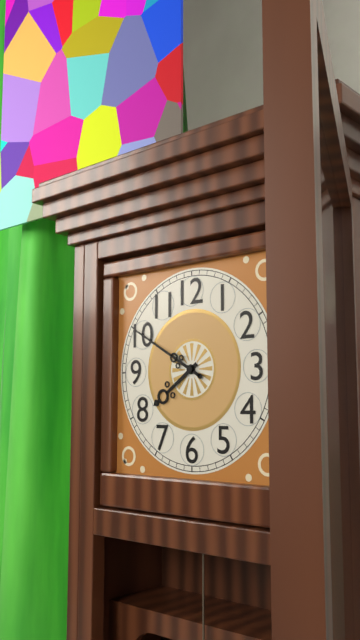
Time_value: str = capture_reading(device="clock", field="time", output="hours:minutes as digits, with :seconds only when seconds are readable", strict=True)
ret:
7:50
